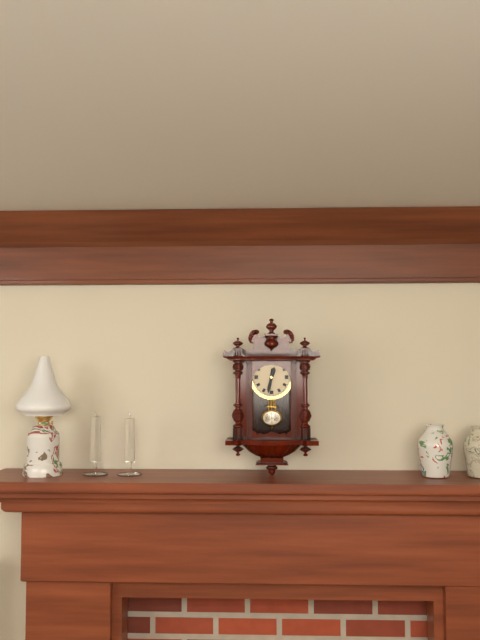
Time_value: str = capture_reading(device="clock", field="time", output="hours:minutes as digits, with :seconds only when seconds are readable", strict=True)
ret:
12:32
